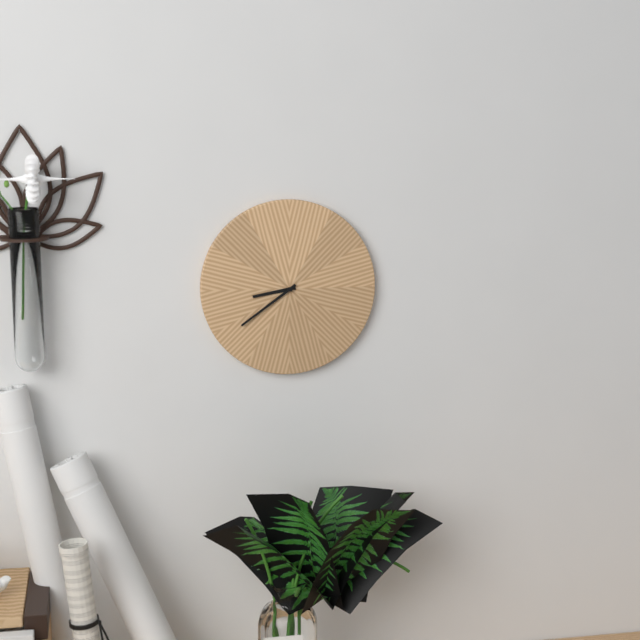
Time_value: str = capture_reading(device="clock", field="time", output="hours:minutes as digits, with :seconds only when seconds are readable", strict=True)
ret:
8:39
